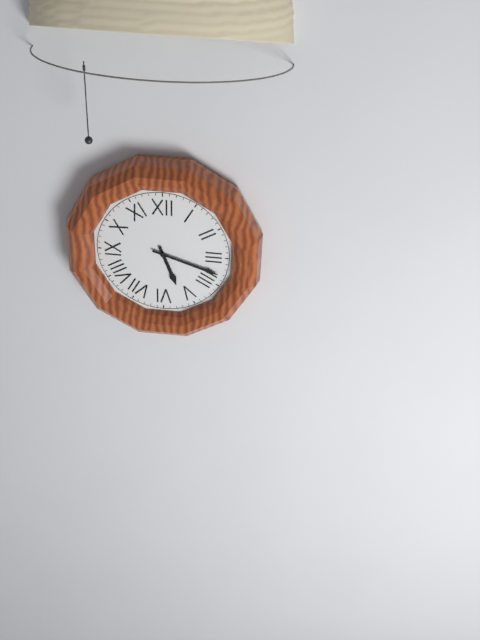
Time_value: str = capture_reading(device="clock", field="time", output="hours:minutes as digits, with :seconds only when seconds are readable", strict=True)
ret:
5:18
